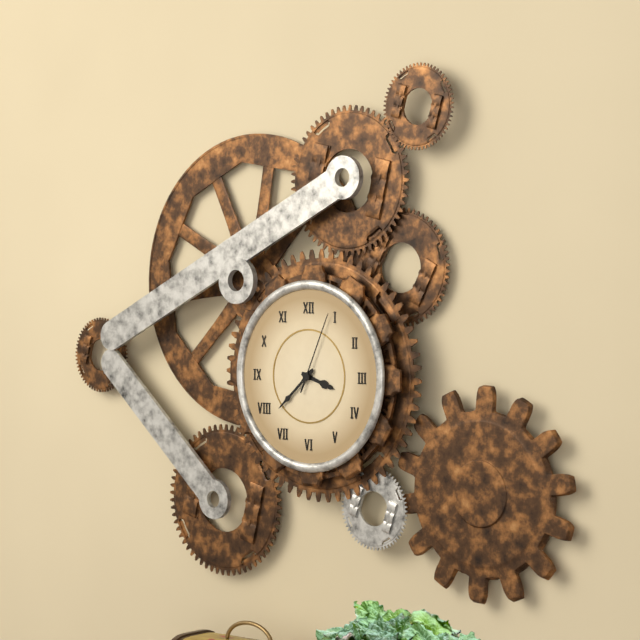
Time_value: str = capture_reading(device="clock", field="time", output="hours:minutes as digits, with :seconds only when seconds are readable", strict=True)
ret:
3:38:04
